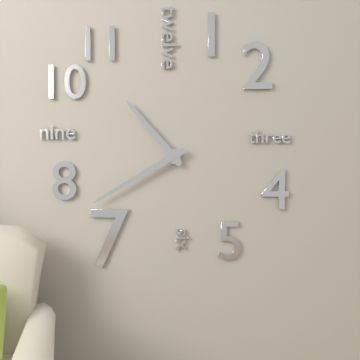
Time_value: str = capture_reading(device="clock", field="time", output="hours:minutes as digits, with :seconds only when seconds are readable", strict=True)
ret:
10:40
